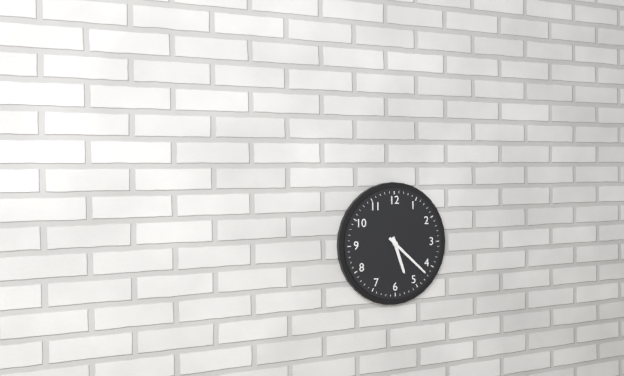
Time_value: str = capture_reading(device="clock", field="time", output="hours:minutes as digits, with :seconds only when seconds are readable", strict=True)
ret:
5:22
